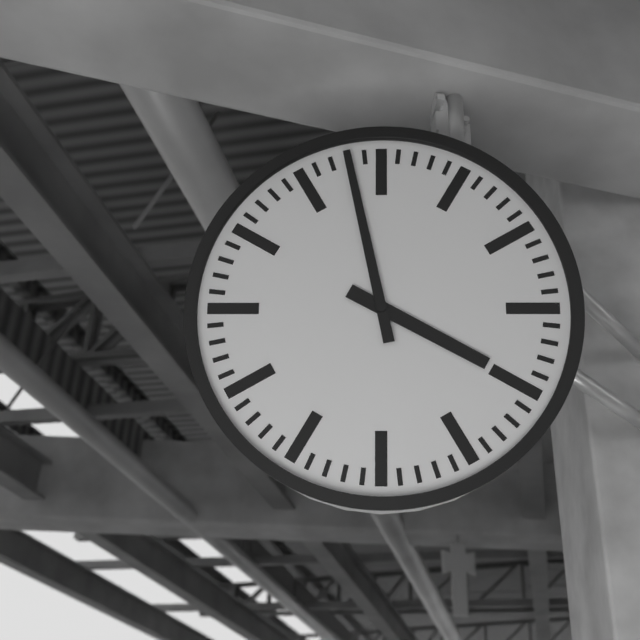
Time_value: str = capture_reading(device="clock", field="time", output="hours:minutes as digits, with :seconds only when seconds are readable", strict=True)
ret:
3:58
